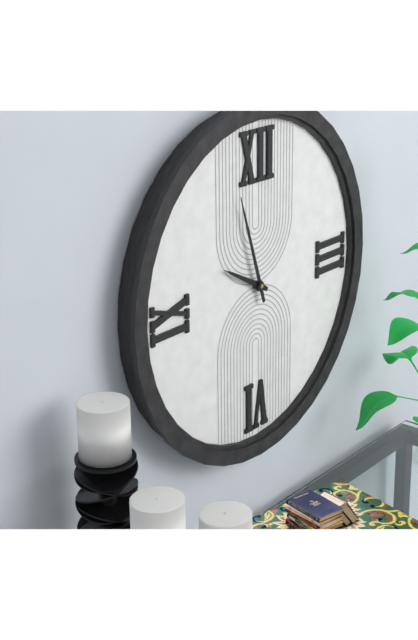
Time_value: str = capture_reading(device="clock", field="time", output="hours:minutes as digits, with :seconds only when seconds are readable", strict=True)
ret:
9:57
